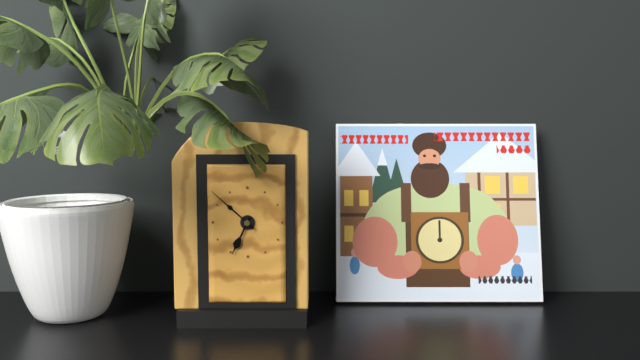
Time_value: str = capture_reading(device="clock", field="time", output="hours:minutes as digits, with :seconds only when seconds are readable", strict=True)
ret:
6:52
